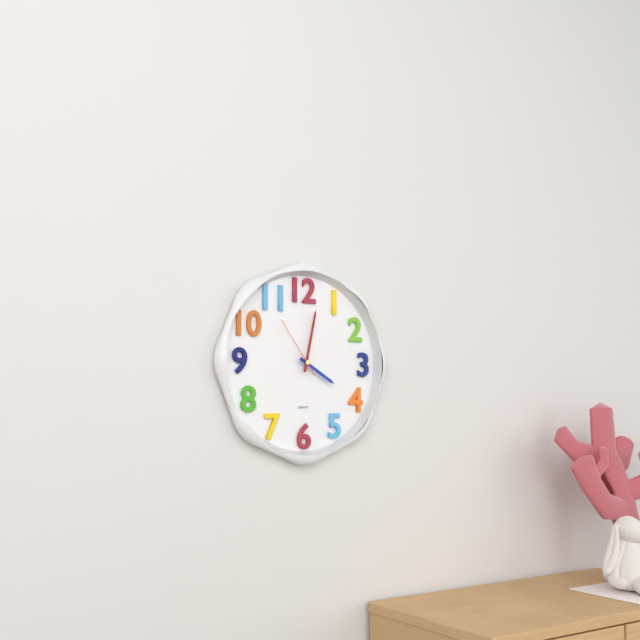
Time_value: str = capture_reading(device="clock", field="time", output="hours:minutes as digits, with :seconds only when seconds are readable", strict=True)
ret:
4:02:54
